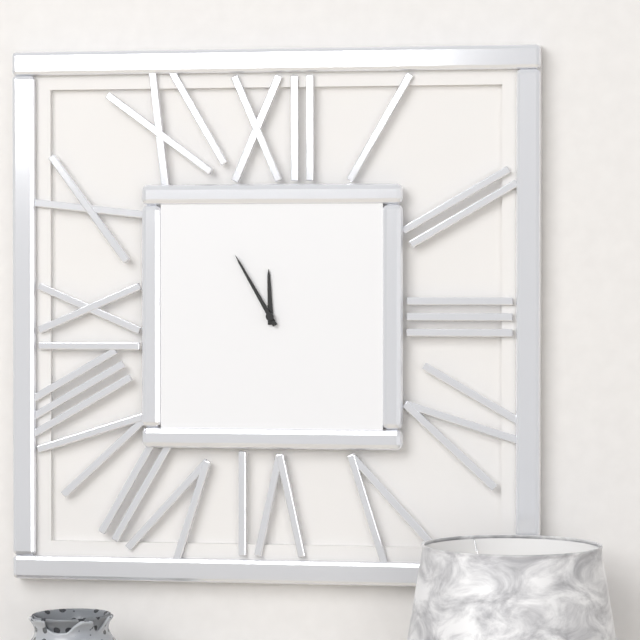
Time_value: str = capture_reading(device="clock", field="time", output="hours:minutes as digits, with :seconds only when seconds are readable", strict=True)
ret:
11:55
